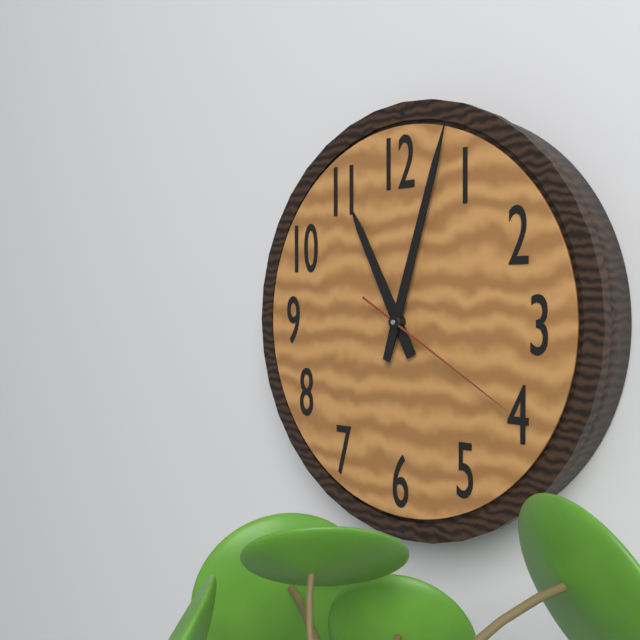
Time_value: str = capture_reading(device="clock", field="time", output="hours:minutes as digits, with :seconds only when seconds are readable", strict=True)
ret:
11:03:20
